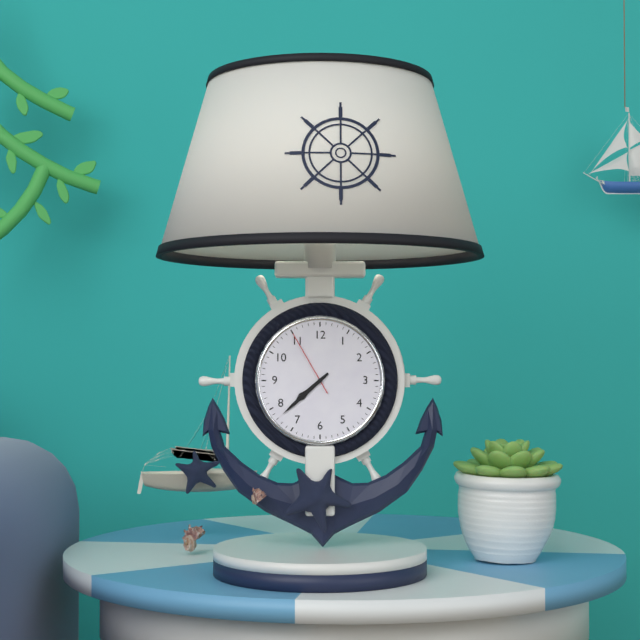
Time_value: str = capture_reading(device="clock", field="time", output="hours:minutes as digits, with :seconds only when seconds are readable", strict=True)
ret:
7:38:55
